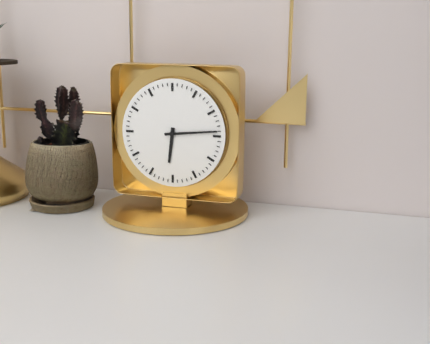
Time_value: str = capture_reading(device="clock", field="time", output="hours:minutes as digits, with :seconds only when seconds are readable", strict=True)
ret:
6:14
